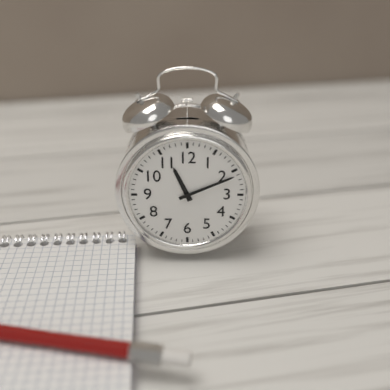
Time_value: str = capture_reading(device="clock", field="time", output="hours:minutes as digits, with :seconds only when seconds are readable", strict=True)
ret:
11:11
